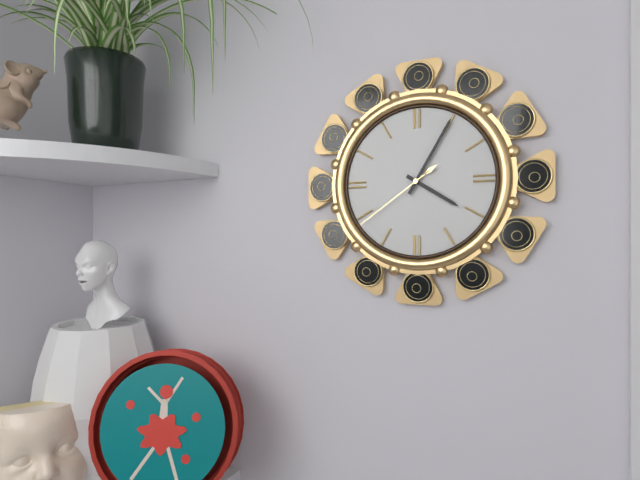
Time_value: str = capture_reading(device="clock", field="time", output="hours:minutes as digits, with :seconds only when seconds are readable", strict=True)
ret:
4:05:39
